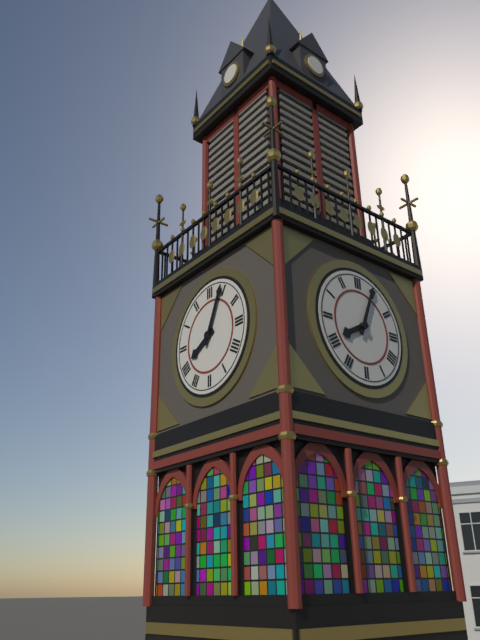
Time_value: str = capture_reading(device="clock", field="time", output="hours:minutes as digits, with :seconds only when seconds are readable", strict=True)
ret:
8:04
